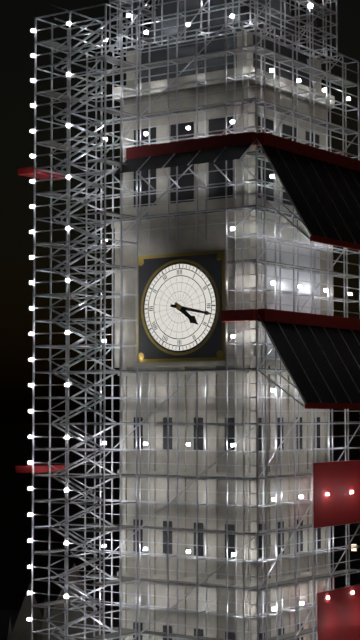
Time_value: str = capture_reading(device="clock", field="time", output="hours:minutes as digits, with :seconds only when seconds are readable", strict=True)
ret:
4:17
